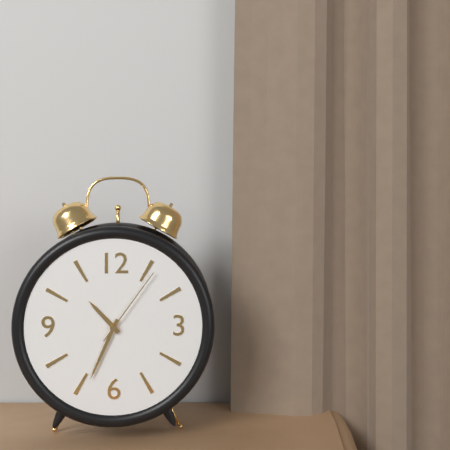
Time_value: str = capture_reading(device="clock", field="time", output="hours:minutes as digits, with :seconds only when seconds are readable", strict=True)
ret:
10:34:06
